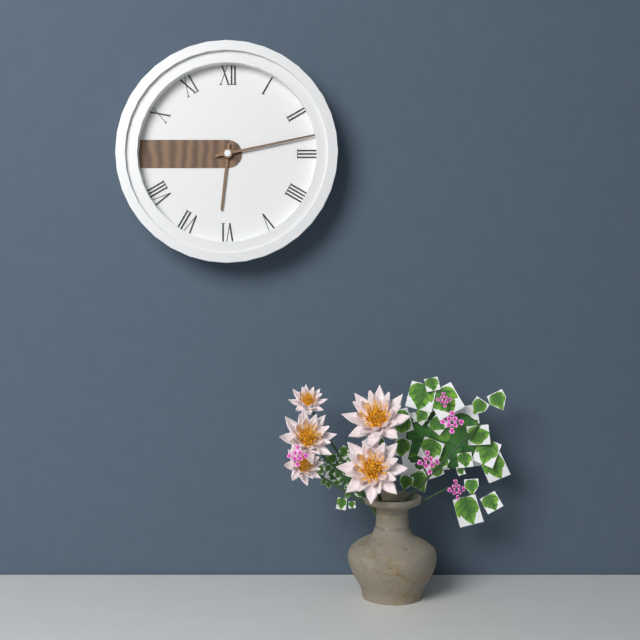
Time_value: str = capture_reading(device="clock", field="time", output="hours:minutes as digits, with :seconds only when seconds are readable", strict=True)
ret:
6:13
